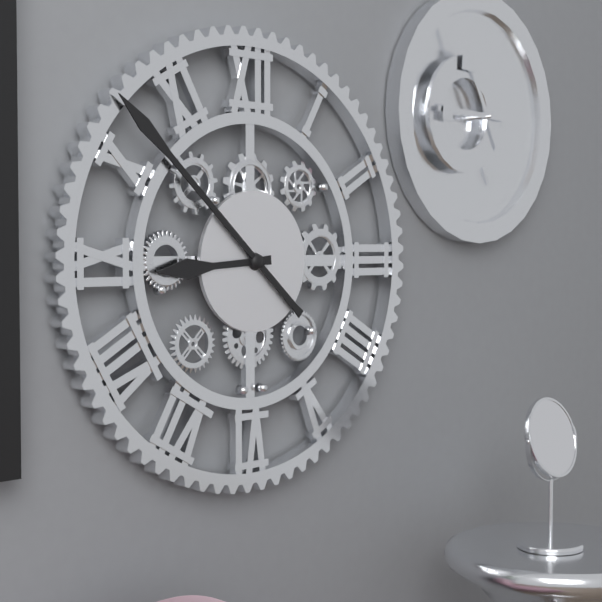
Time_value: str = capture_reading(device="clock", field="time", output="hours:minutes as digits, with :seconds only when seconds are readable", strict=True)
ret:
8:52
